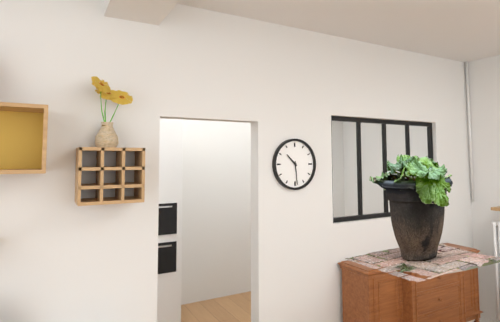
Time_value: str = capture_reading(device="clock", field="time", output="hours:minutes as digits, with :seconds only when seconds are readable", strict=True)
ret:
10:29
